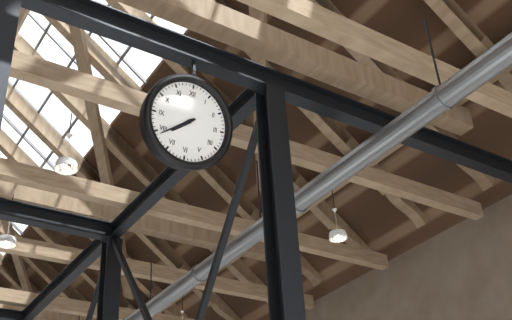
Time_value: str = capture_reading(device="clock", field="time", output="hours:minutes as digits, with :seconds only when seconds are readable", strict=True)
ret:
7:39
